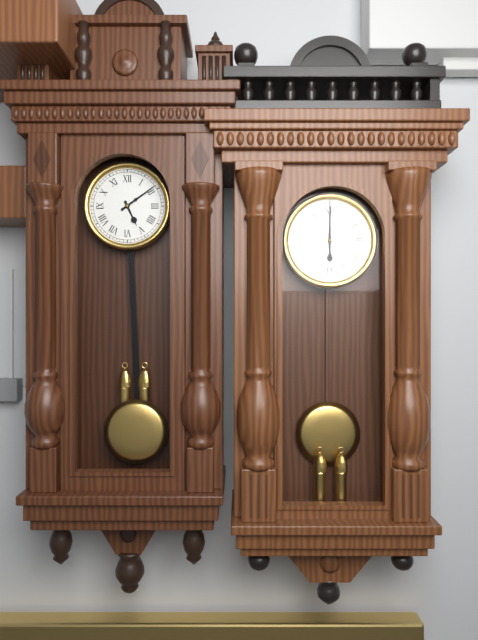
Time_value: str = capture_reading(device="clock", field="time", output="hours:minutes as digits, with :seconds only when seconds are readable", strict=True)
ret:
5:09
